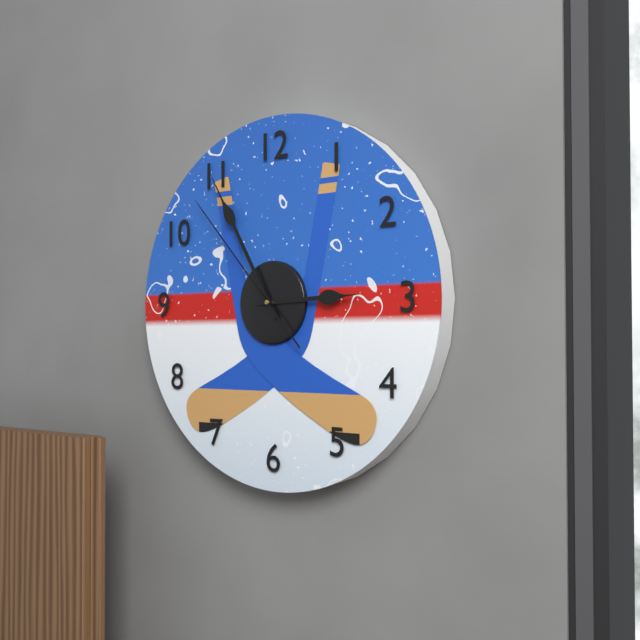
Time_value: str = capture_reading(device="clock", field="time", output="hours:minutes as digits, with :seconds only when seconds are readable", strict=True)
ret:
2:55:53
